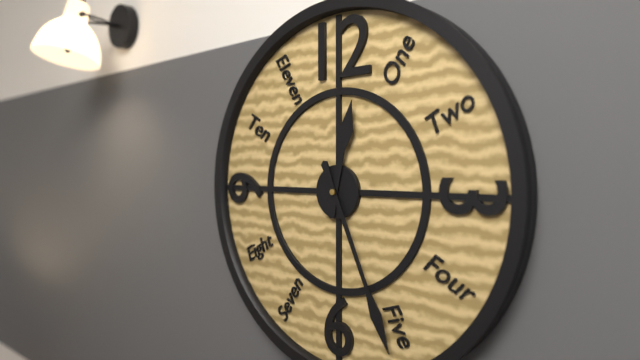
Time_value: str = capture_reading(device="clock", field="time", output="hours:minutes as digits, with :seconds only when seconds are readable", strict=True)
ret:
12:26
